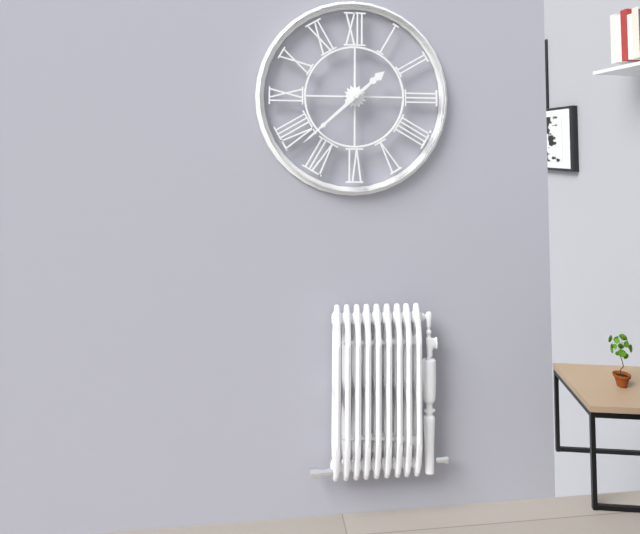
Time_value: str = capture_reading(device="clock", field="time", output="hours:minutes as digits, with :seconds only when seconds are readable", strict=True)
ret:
1:38
